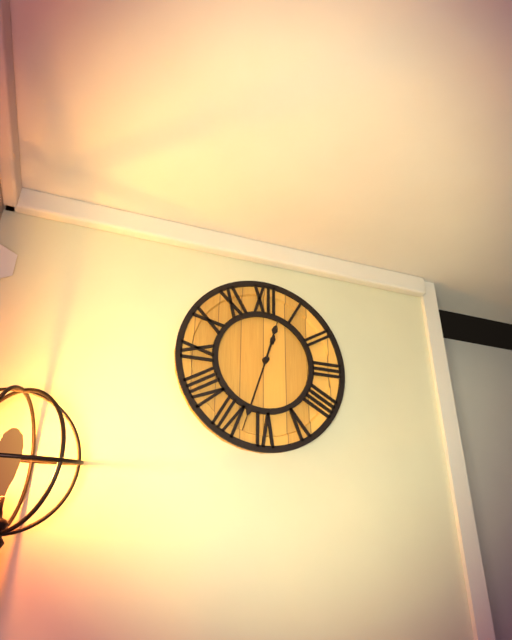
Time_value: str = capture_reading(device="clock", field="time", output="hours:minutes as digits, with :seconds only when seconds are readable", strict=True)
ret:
12:33
